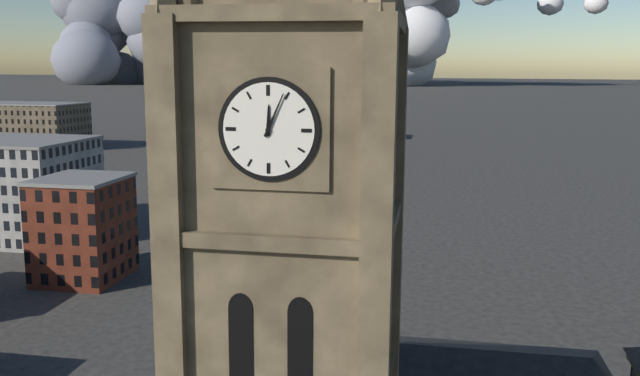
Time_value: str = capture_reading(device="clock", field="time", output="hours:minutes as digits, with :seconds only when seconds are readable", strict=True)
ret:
12:04
